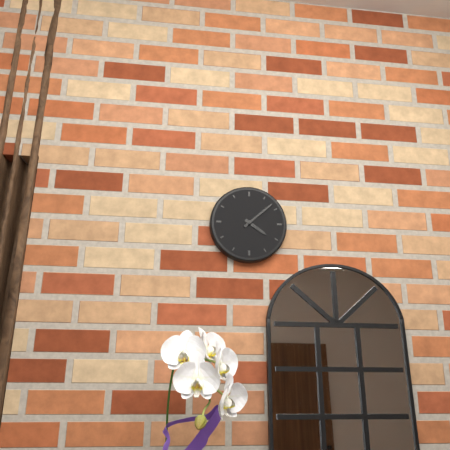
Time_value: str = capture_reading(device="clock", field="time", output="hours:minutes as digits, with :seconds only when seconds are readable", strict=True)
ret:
4:08
